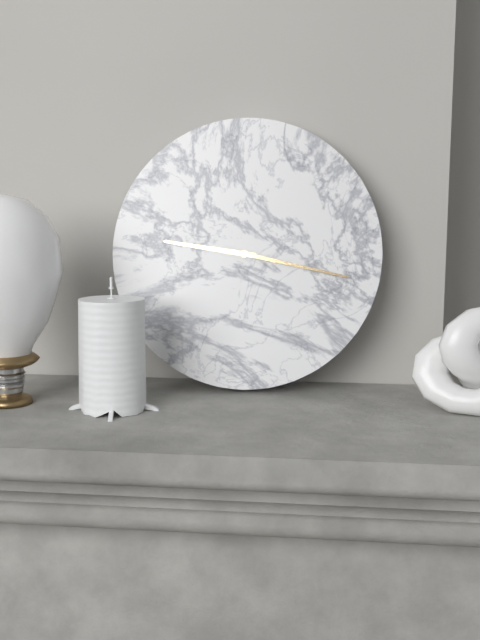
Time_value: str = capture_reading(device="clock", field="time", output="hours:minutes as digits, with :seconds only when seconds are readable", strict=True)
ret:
9:17
